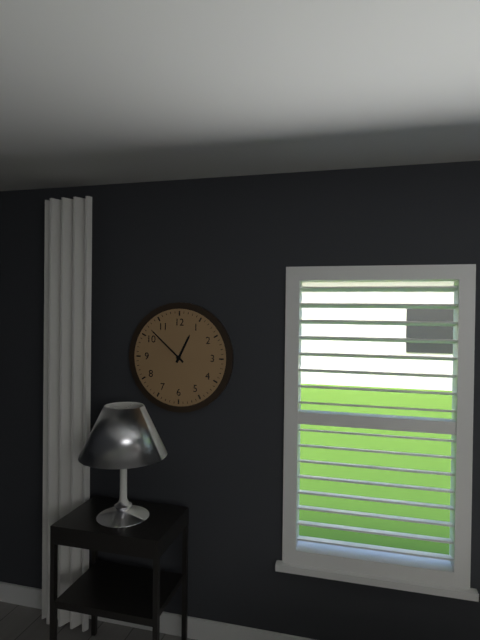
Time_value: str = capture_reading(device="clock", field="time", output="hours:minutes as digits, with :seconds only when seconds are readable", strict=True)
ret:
12:52
